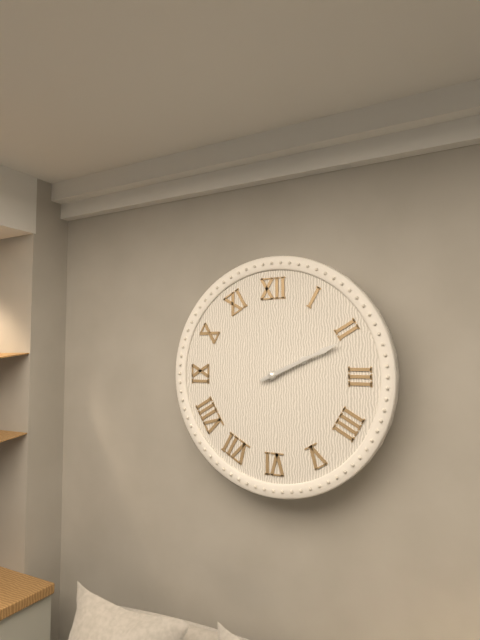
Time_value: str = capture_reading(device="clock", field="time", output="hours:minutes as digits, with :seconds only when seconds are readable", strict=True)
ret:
2:11
